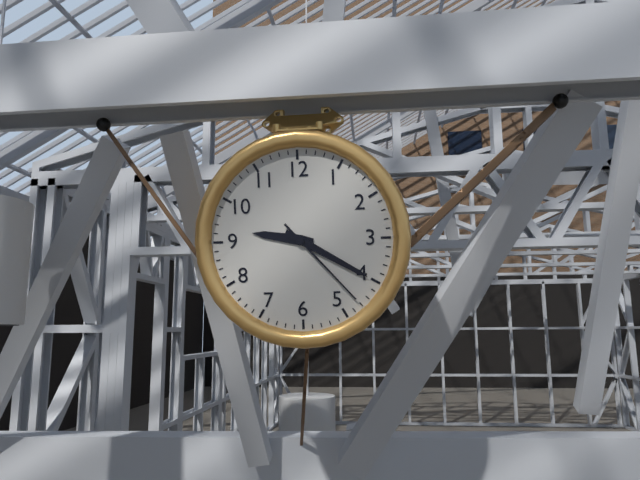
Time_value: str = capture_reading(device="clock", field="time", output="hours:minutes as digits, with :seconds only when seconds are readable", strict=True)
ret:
9:20:23
